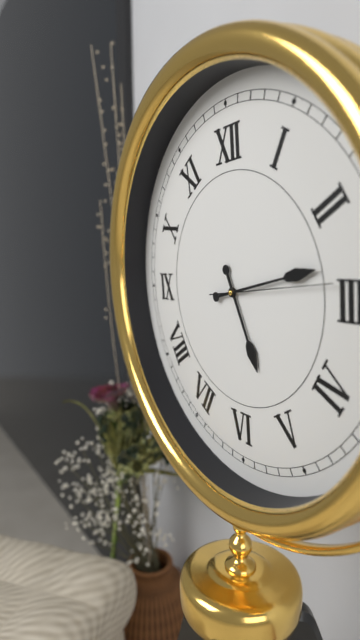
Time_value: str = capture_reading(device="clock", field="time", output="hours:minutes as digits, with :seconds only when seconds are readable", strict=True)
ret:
5:13:14
